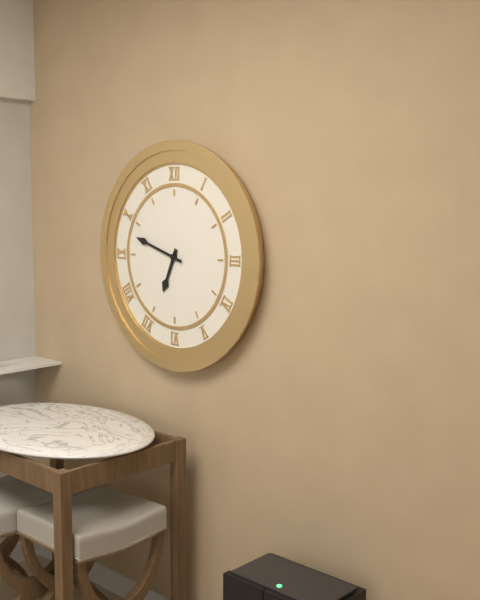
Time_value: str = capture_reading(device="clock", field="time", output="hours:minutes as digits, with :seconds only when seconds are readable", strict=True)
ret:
6:48
